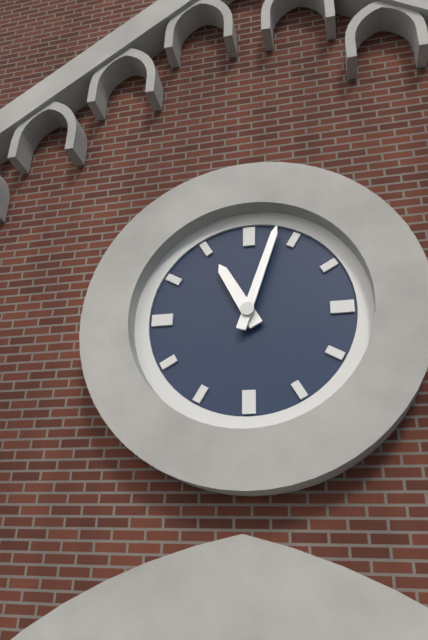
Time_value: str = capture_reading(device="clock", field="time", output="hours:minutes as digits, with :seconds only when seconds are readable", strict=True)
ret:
11:03
